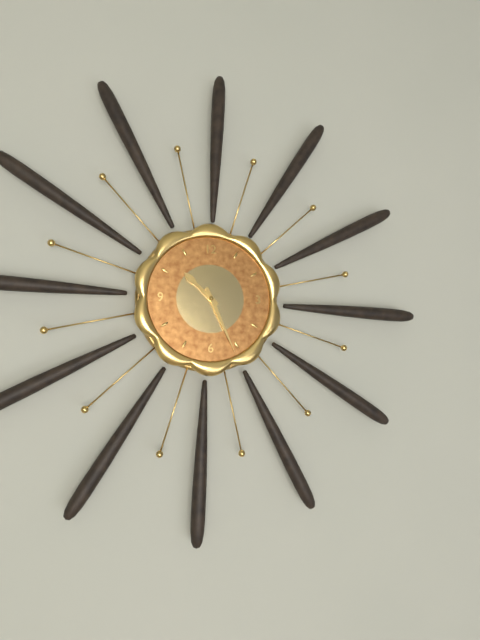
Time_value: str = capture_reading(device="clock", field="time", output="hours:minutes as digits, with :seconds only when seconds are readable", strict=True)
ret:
10:26
